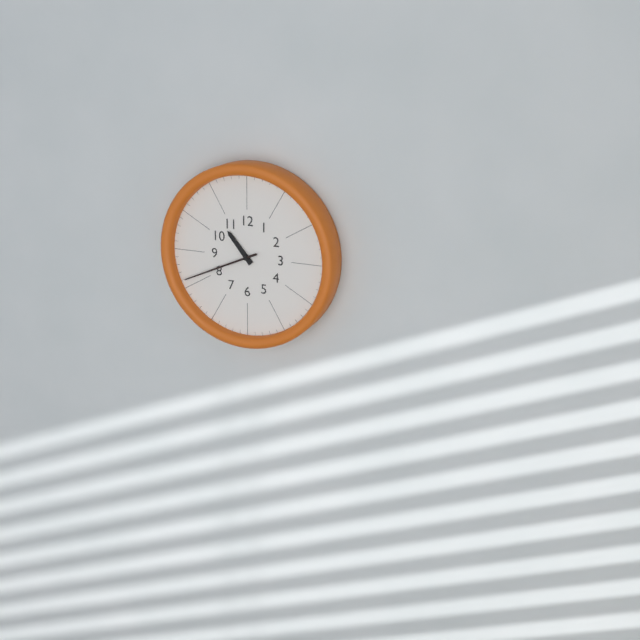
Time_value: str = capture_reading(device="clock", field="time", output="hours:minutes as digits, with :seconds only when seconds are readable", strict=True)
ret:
10:41
